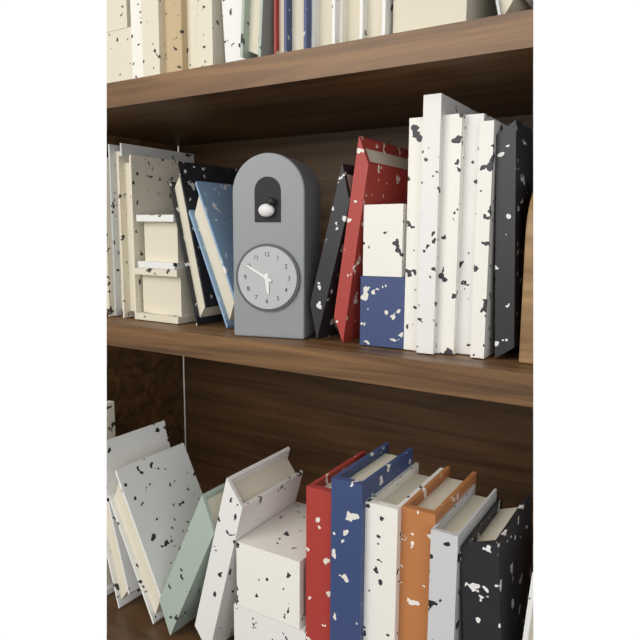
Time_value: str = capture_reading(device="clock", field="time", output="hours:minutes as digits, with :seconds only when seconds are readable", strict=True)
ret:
5:50
